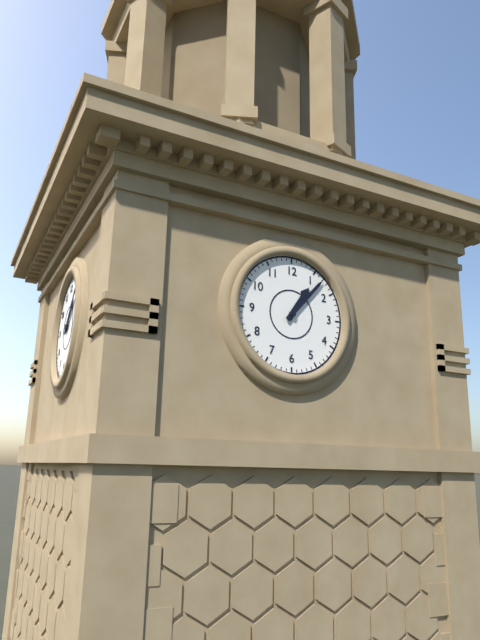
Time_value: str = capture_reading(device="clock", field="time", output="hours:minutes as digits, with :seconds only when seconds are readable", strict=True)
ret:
1:07
